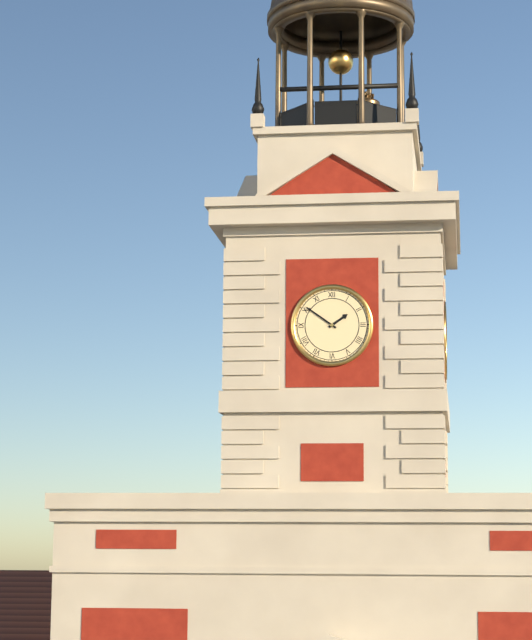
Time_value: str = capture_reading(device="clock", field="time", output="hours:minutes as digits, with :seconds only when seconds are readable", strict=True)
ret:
1:51
